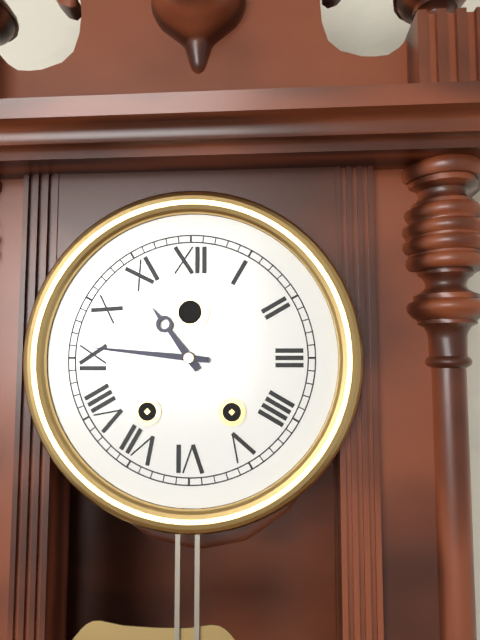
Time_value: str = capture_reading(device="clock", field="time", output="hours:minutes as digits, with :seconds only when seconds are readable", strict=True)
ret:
10:46
